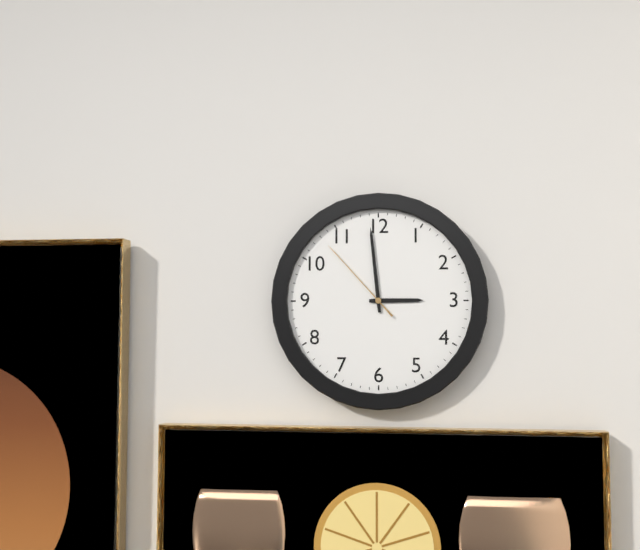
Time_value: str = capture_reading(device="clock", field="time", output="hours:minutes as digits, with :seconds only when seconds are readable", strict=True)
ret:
2:59:53
